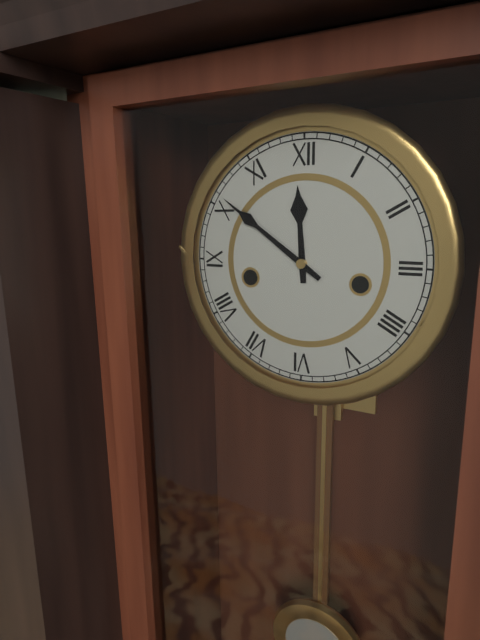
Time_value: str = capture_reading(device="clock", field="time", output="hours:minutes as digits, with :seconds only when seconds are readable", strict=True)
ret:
11:51
